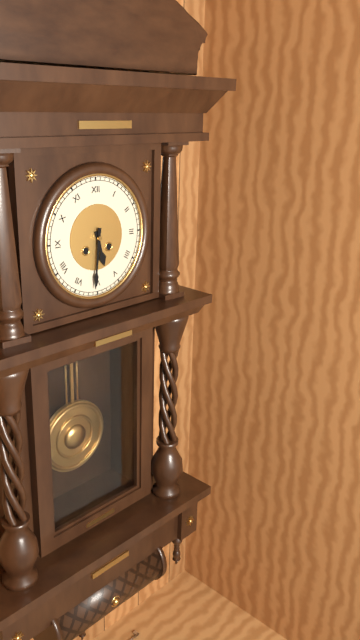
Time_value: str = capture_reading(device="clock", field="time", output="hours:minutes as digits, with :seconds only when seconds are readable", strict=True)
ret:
5:31
